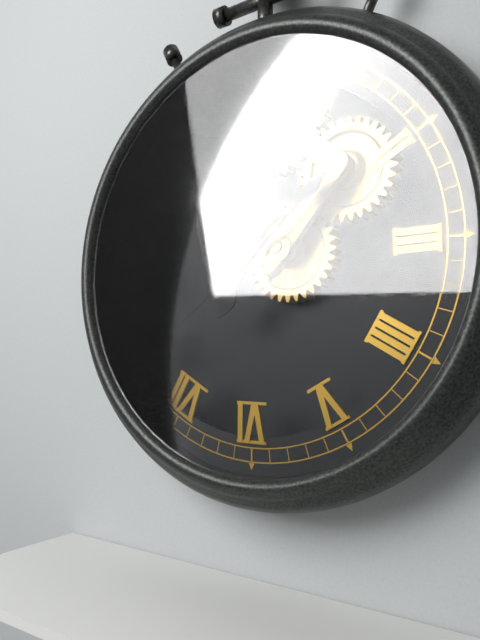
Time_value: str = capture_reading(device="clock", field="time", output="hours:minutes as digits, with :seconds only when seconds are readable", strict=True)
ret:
7:08:39
